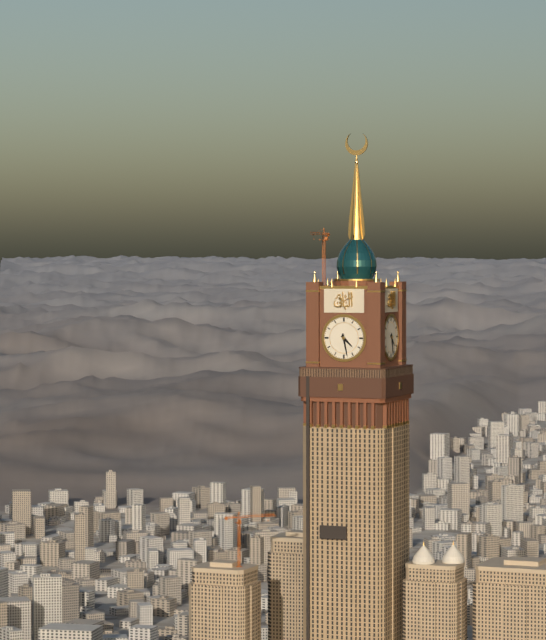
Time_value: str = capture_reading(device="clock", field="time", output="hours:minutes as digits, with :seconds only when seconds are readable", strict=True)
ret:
4:28
